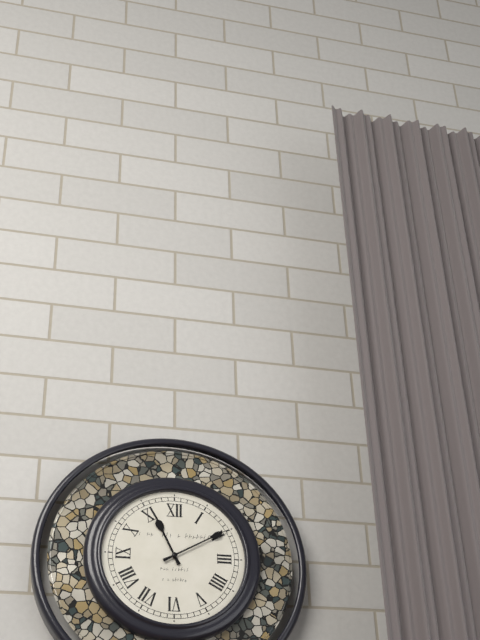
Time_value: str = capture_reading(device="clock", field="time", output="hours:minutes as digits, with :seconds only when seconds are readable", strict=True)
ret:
11:10
